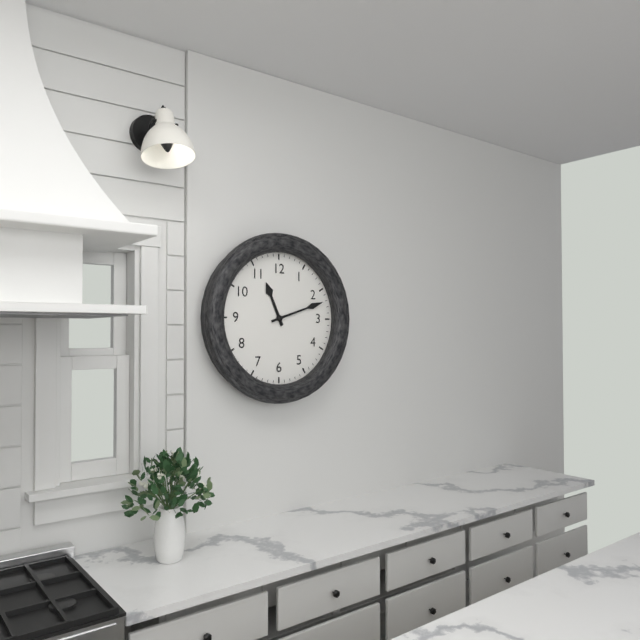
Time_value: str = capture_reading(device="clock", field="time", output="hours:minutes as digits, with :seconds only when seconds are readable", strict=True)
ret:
11:12
